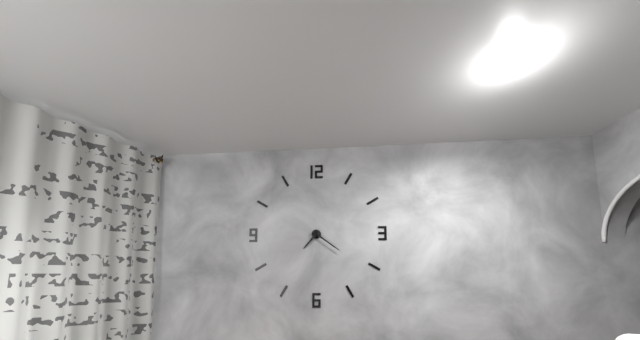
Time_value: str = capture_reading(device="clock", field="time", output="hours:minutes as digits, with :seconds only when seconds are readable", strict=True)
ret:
7:21
